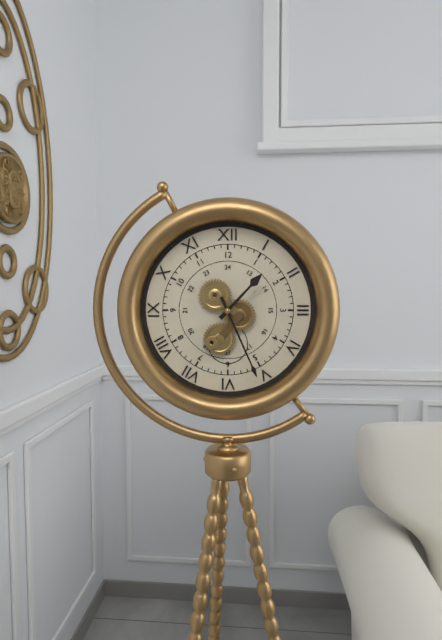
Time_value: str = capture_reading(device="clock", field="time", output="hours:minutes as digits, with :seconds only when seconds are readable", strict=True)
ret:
1:26
